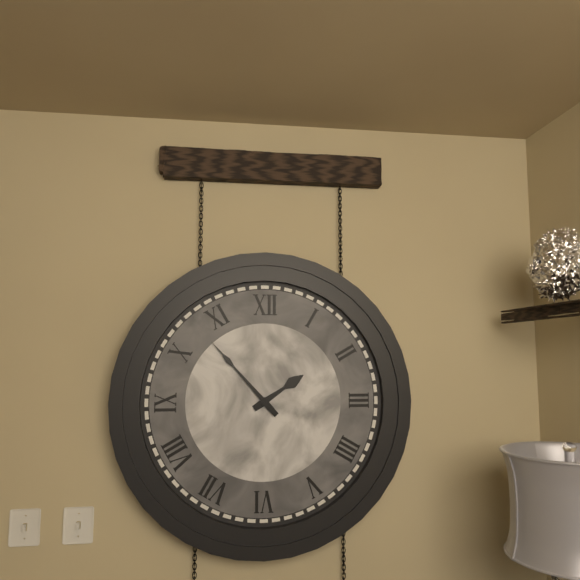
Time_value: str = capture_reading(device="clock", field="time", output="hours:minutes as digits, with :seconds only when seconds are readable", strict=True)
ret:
1:53
